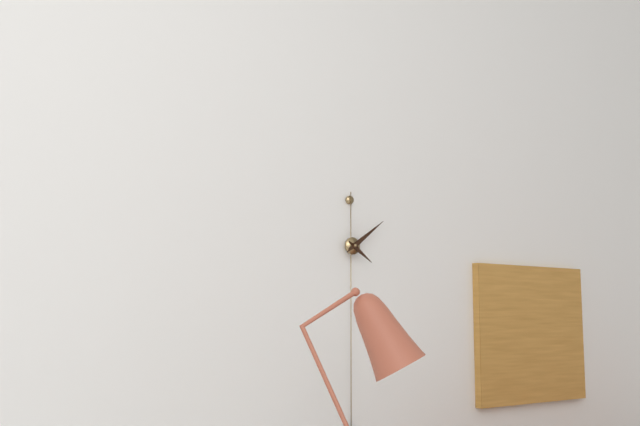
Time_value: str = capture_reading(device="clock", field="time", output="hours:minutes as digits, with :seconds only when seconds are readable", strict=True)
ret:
4:09
